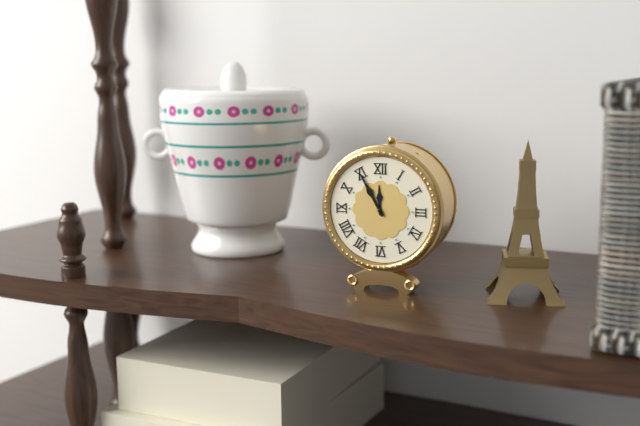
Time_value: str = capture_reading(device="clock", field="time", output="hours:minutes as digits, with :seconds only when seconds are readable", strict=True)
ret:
11:55
